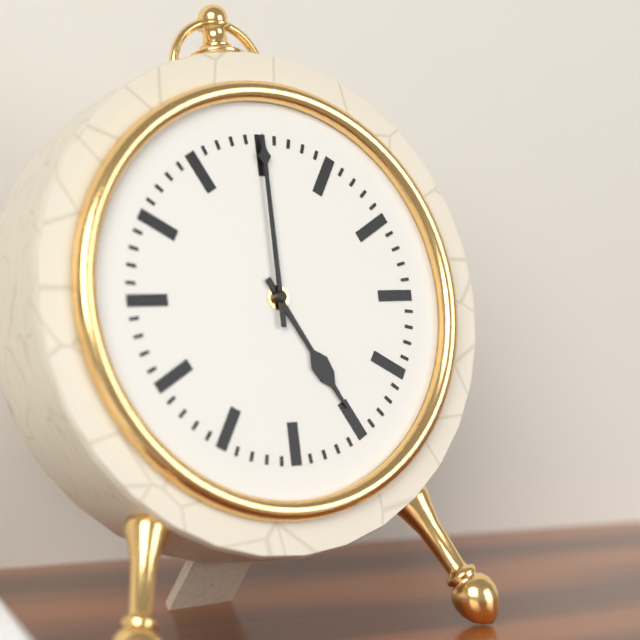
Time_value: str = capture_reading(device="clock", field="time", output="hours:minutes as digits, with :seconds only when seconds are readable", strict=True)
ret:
5:00
